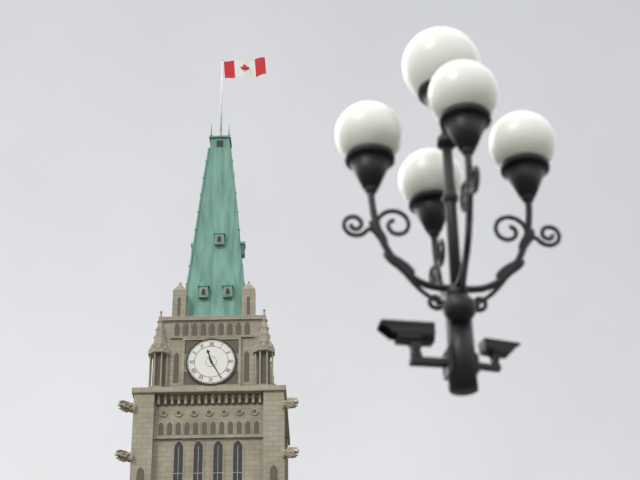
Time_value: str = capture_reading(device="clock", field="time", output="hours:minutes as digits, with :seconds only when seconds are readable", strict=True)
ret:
11:25
